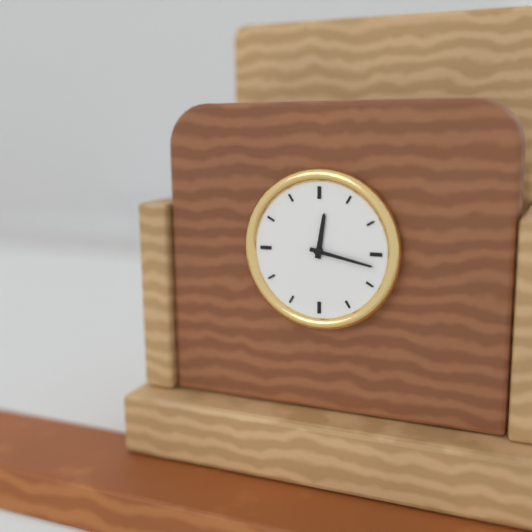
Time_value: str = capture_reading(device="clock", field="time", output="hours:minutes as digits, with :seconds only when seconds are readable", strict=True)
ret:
12:17
